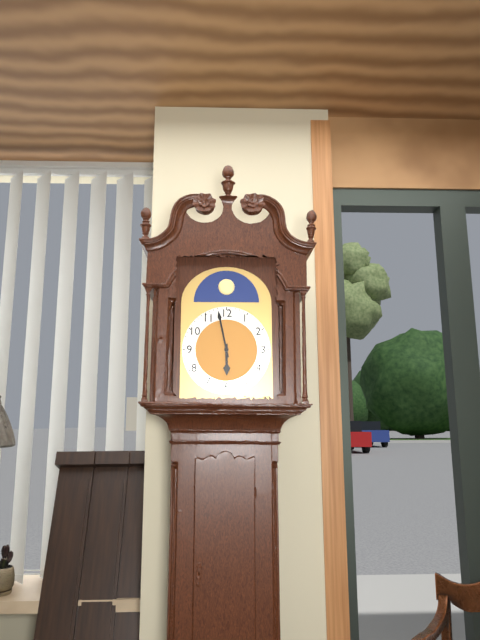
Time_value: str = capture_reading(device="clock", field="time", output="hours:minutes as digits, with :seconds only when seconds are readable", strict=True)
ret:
5:58
